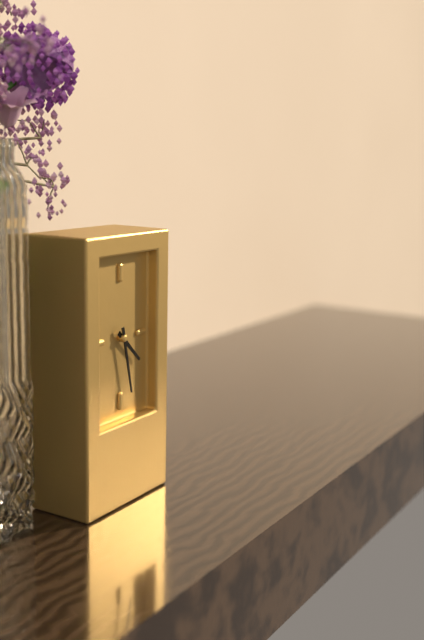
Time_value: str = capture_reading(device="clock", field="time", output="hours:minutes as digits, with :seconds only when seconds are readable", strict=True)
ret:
4:28
